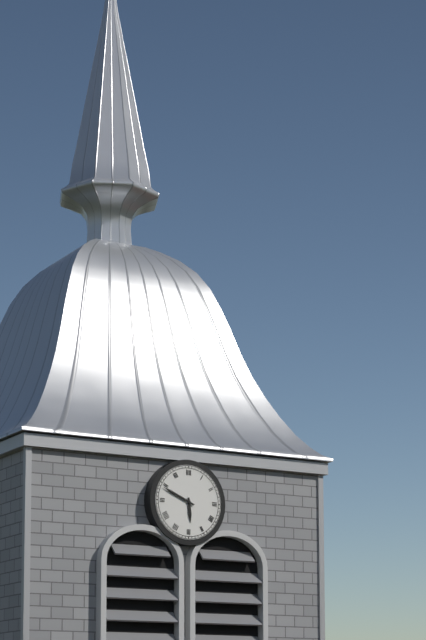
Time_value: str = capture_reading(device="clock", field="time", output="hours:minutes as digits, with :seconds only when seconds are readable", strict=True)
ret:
5:49
